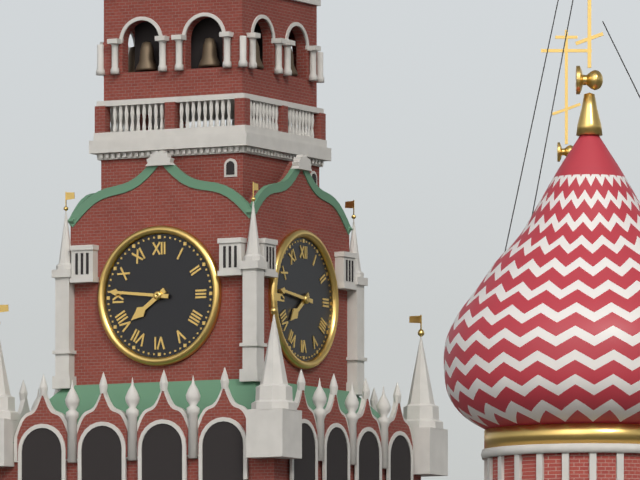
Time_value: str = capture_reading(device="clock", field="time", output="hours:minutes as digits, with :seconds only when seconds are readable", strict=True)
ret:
7:46
